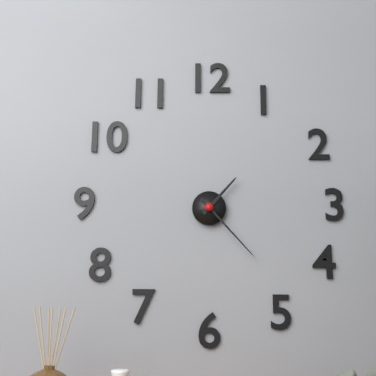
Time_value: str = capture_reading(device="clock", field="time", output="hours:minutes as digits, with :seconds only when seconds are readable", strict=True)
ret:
1:23
